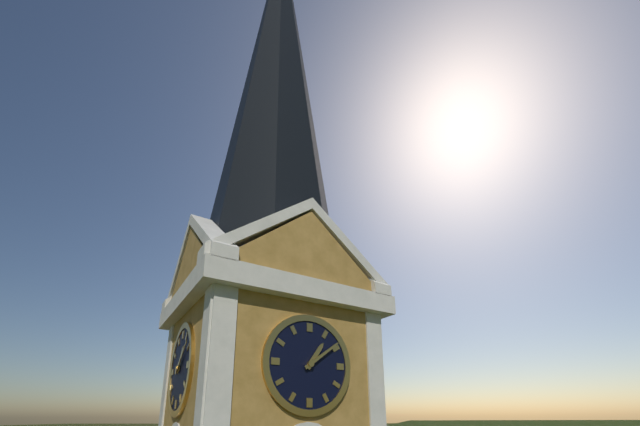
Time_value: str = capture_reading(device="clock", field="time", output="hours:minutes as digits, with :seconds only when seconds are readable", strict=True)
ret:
1:09
